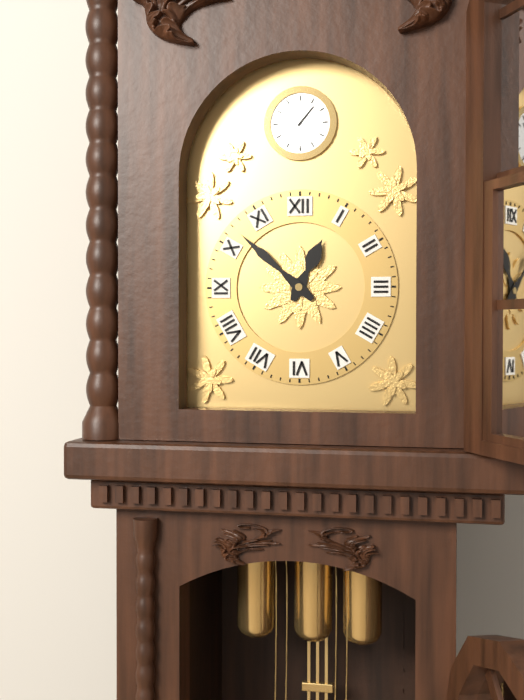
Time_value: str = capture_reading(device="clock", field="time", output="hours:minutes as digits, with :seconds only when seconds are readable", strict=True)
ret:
12:52
